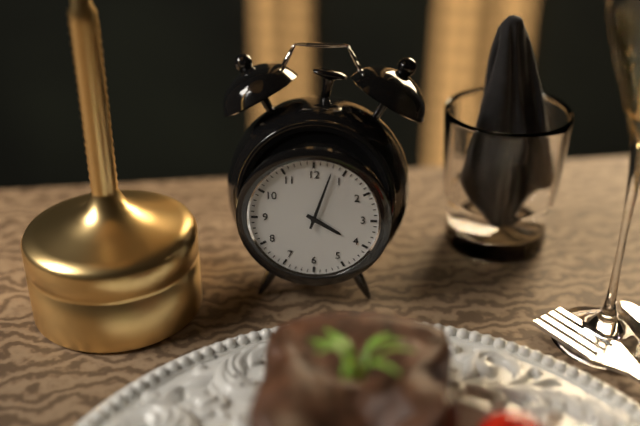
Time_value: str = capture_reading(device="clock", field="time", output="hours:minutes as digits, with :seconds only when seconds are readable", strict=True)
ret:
4:03
